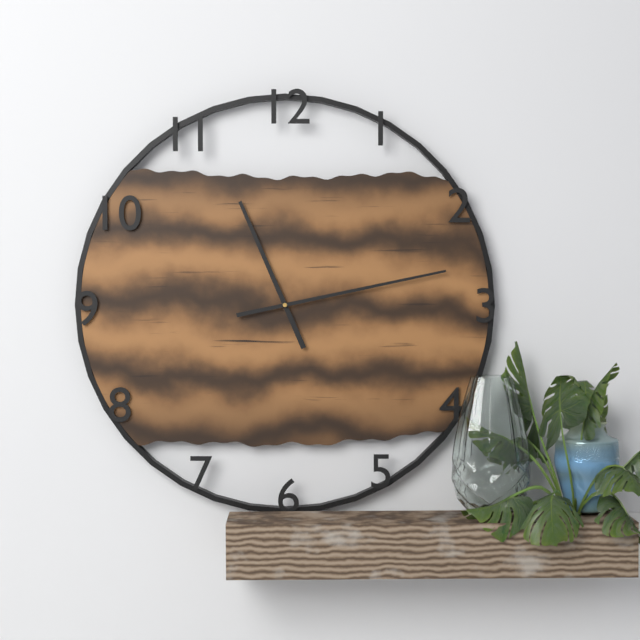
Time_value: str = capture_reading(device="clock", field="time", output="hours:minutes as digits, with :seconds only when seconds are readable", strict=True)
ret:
11:13
